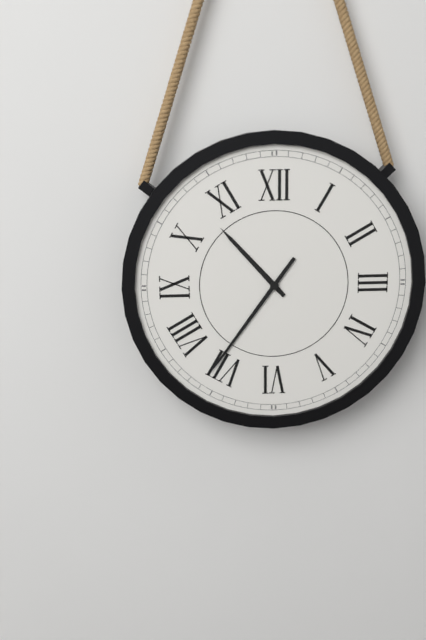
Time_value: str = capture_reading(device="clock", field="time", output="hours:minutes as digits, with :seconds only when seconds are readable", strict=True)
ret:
10:36
